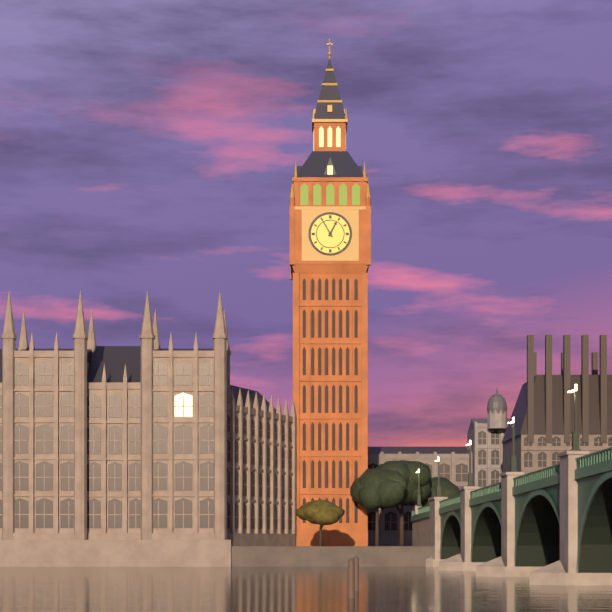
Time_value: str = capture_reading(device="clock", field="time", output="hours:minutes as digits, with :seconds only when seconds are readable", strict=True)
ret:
12:55
